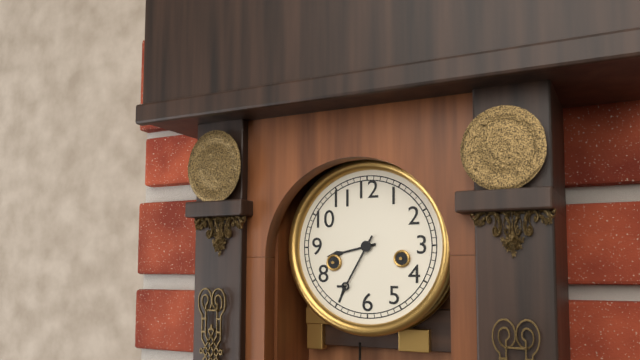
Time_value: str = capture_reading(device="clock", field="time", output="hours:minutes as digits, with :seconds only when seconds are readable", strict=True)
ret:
8:35
